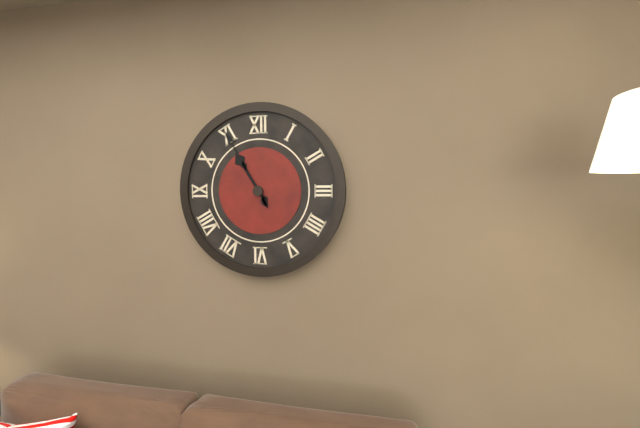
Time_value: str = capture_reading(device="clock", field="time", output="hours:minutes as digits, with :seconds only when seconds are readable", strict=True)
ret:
10:55
